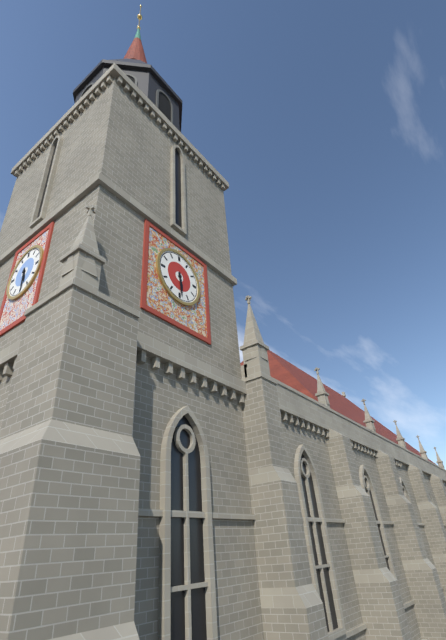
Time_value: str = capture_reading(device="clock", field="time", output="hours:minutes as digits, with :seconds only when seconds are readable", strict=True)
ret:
5:29
